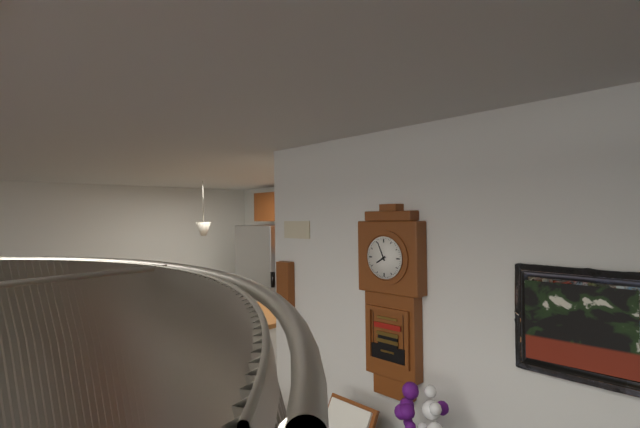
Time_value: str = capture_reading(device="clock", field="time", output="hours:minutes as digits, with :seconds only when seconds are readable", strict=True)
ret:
7:56
